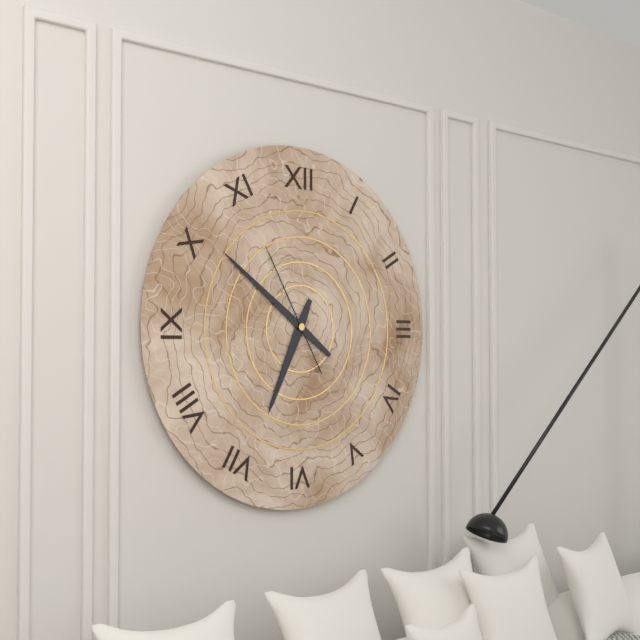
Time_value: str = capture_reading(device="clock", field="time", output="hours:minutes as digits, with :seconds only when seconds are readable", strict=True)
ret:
6:51:55
